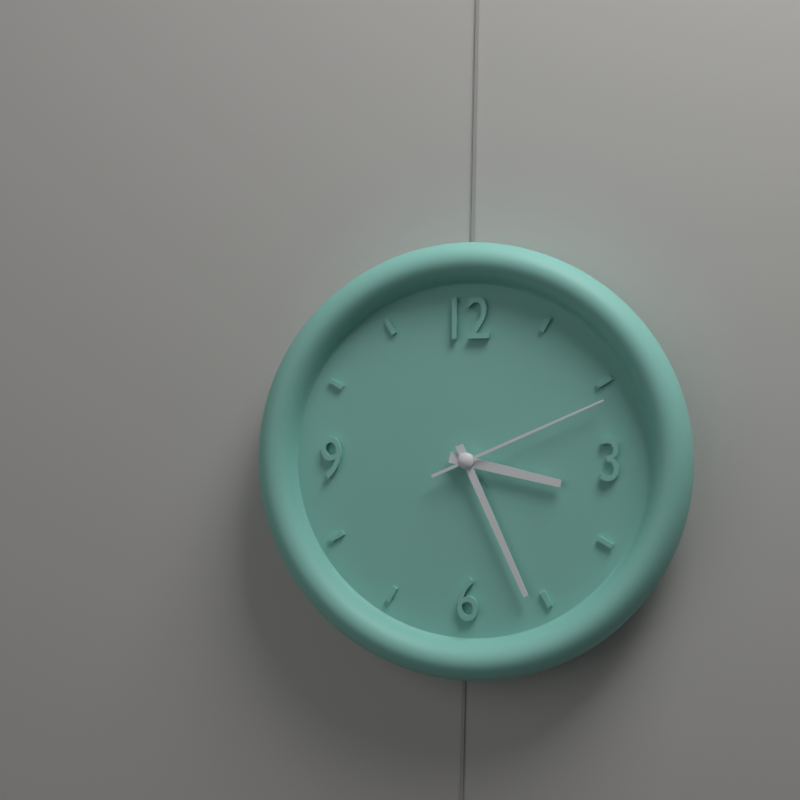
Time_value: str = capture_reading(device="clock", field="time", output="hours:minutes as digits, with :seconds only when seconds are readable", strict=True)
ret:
3:26:11
